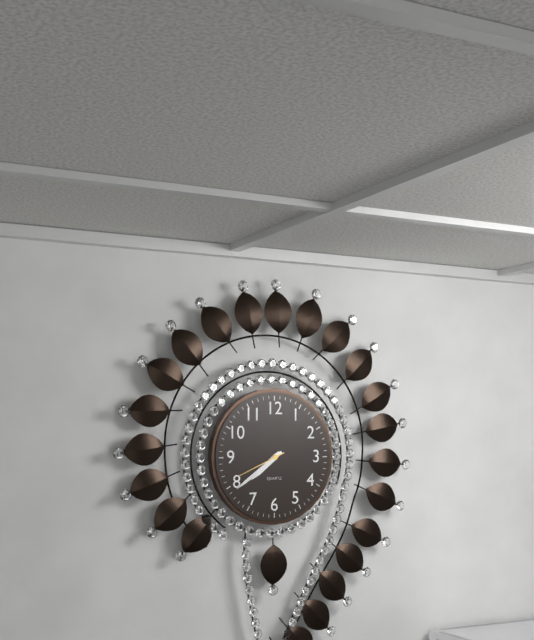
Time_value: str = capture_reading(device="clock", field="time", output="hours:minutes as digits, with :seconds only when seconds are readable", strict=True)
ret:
7:39:41
